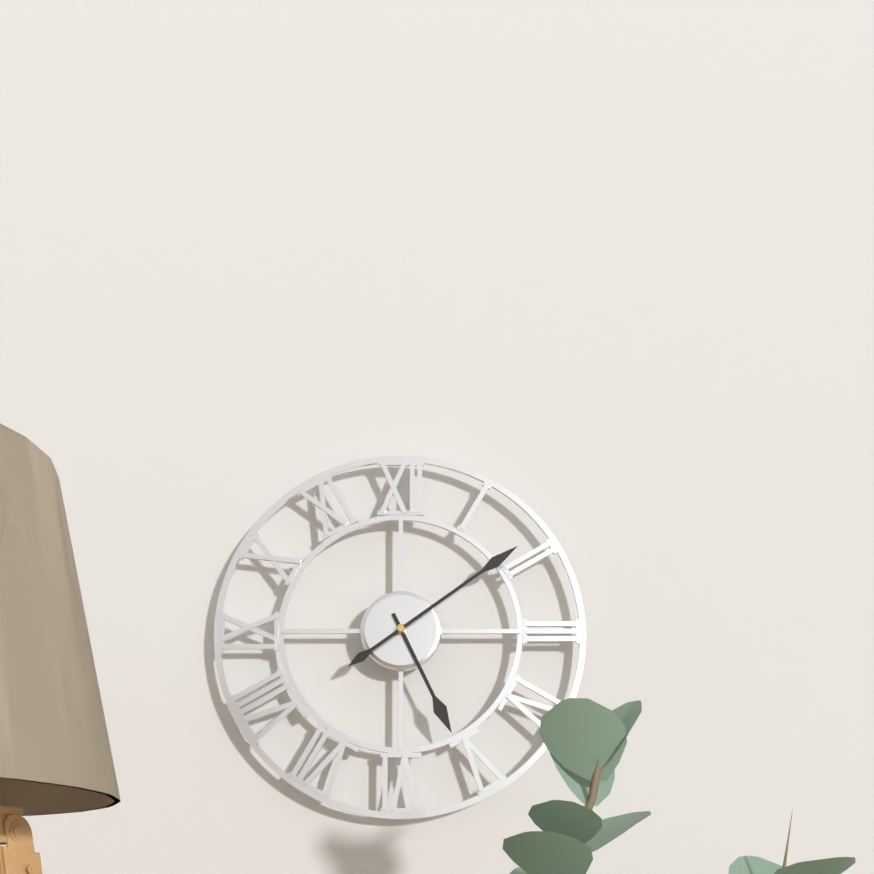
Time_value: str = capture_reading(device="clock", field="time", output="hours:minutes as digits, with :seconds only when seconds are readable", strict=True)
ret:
5:09
